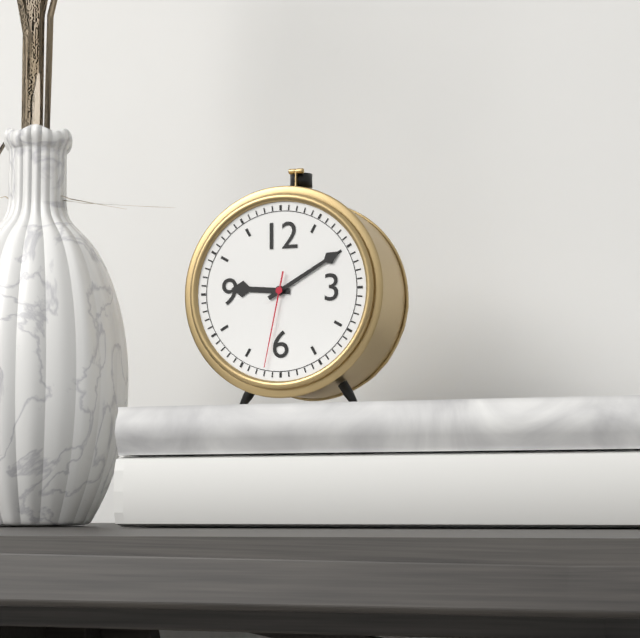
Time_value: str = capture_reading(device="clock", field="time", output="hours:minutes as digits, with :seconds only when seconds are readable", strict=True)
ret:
9:10:32
